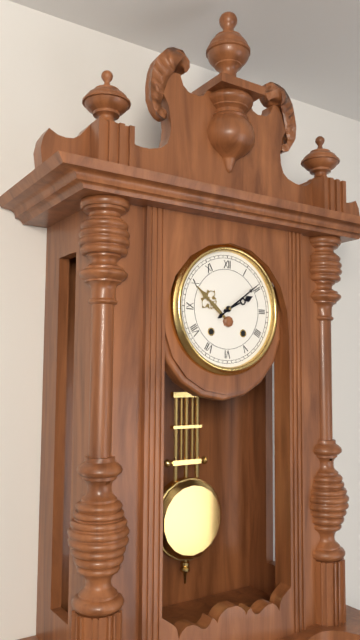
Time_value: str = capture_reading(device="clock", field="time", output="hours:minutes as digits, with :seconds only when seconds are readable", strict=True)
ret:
2:09
